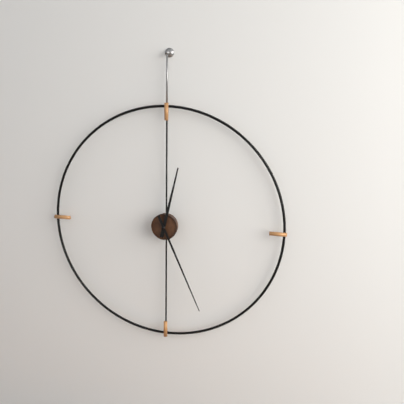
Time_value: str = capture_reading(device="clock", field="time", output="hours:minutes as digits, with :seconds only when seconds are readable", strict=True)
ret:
12:26
